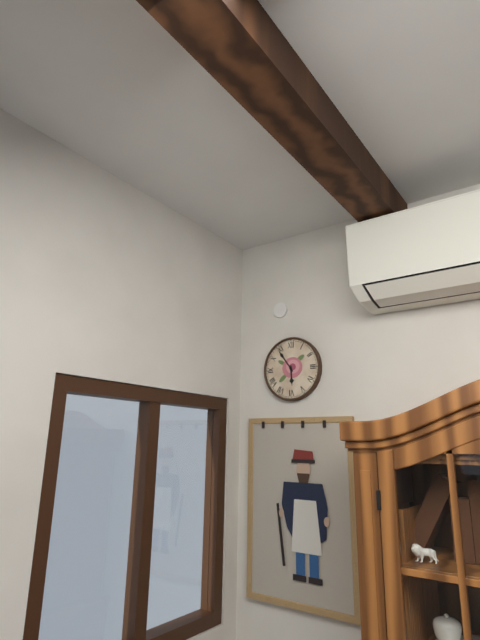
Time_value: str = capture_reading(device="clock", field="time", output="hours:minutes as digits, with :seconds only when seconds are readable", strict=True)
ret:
5:54
